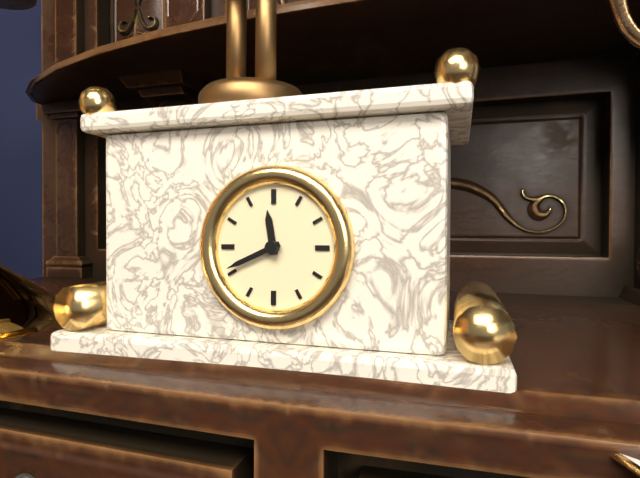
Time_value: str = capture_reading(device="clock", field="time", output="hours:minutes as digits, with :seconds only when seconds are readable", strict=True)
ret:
11:41
